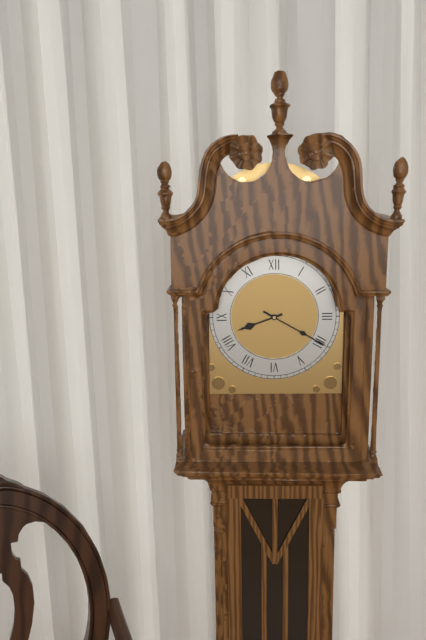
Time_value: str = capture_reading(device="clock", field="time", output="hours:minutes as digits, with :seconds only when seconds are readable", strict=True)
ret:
8:20
